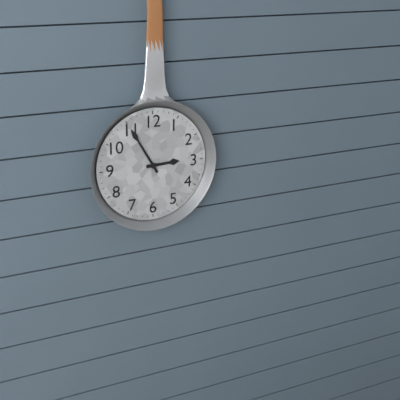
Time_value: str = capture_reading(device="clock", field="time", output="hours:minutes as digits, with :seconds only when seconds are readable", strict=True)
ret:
2:55
